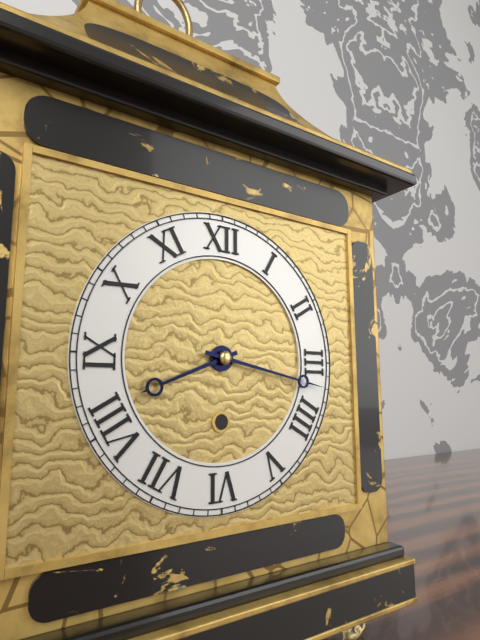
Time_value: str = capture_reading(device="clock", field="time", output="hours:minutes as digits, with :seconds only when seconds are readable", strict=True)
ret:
8:17
